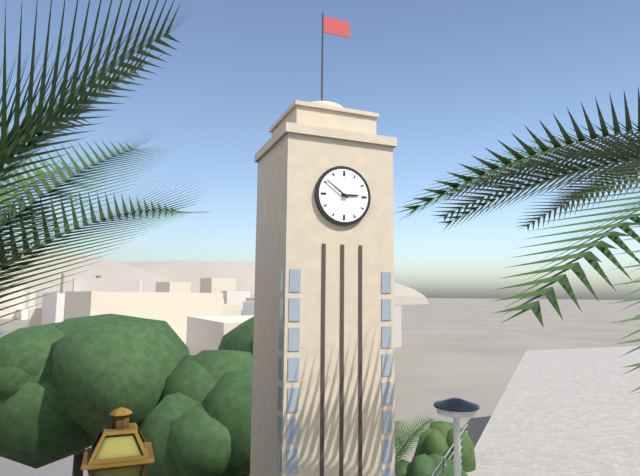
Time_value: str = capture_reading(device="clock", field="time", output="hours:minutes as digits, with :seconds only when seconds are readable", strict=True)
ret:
2:51
